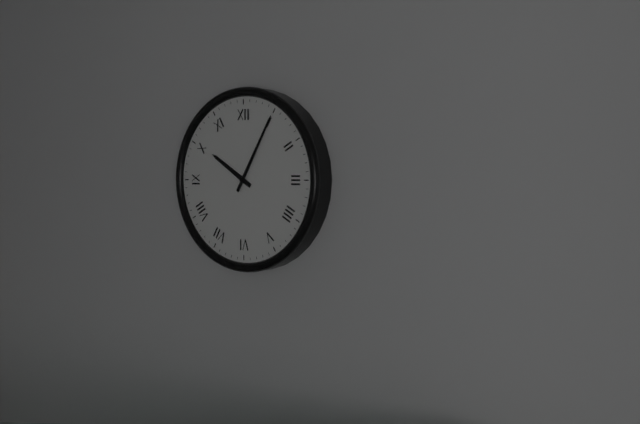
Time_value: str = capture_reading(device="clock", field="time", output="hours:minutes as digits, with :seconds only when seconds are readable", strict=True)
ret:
10:05
